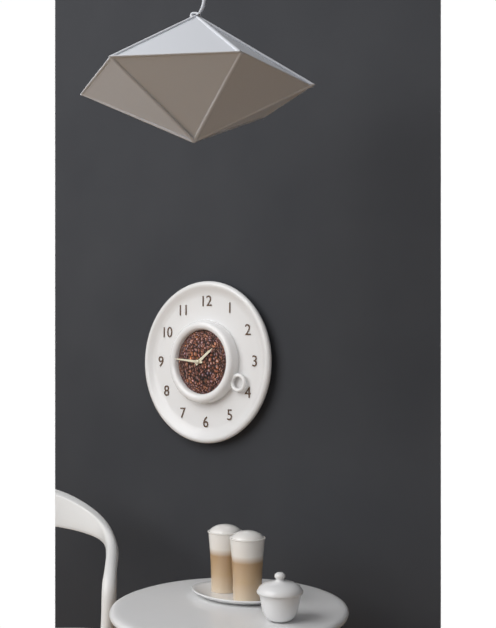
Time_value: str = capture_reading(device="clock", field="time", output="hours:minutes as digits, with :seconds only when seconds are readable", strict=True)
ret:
1:46
